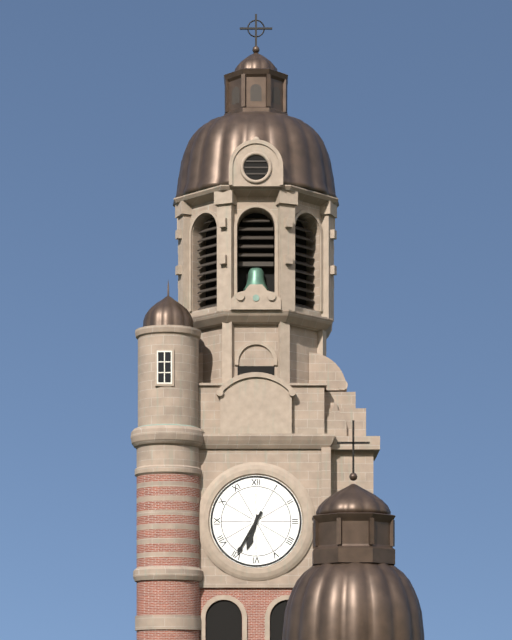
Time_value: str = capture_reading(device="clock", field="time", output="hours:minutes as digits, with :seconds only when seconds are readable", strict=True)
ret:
6:35
